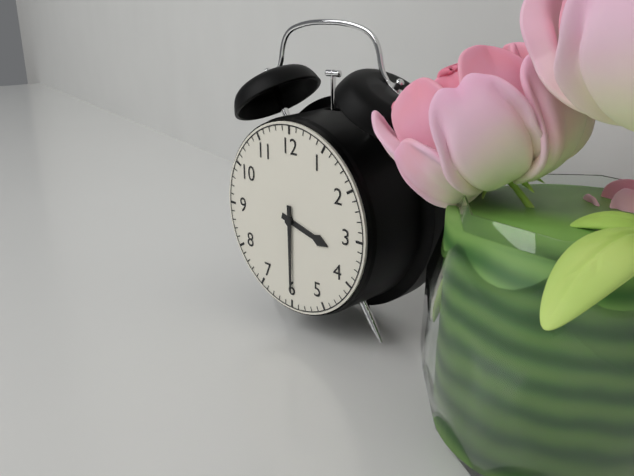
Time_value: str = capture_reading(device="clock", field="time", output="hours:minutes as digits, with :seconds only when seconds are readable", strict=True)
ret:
3:30
